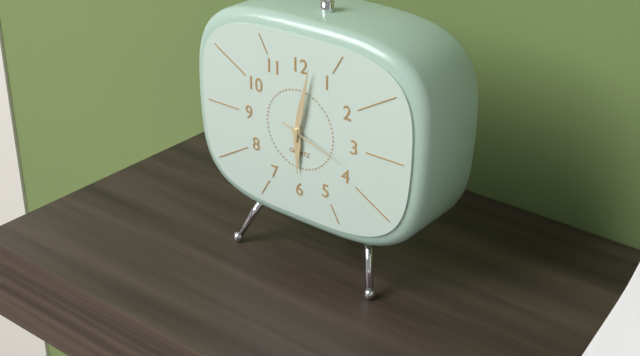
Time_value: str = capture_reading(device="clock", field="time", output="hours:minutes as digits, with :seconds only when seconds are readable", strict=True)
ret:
6:02:18
